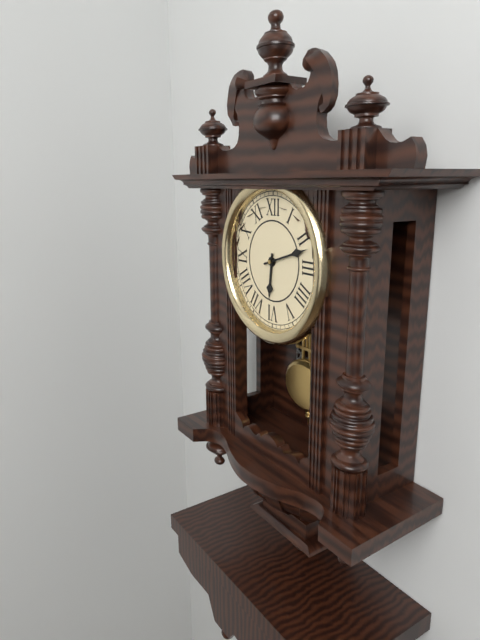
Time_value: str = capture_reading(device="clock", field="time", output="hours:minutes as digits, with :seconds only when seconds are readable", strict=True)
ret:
6:12
